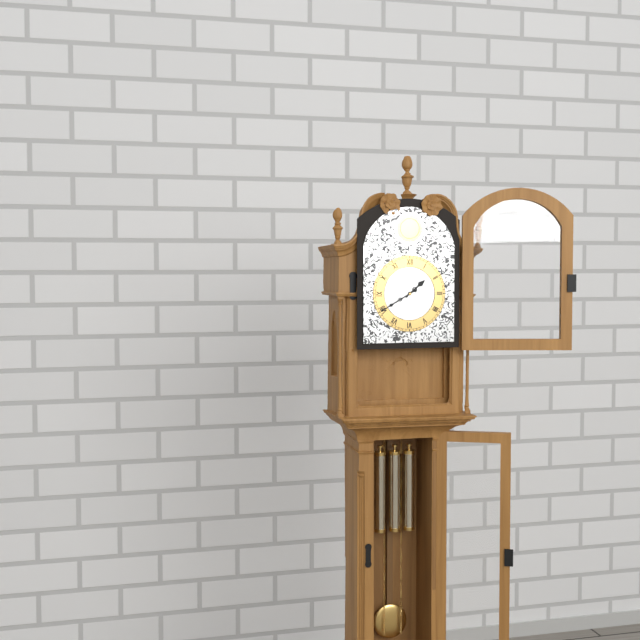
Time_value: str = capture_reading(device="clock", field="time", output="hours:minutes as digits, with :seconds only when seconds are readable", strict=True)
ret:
1:40
